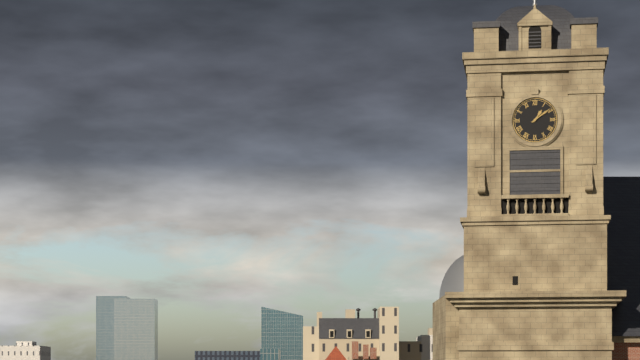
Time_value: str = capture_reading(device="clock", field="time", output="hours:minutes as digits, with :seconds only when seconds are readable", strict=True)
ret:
1:09
